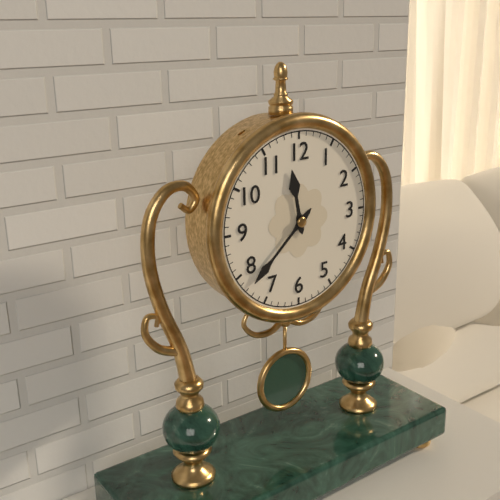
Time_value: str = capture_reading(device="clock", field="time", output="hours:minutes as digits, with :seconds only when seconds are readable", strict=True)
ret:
11:38
